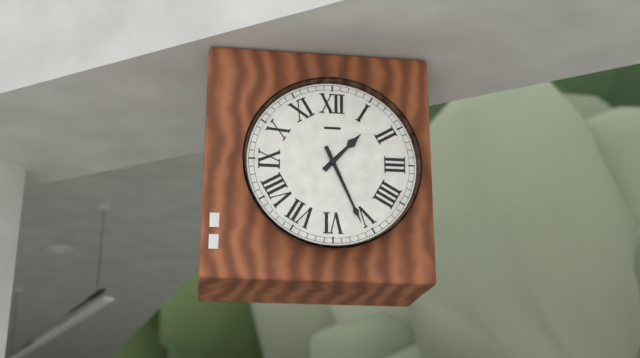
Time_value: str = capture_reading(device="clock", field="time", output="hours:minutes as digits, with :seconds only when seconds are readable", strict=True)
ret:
1:26
